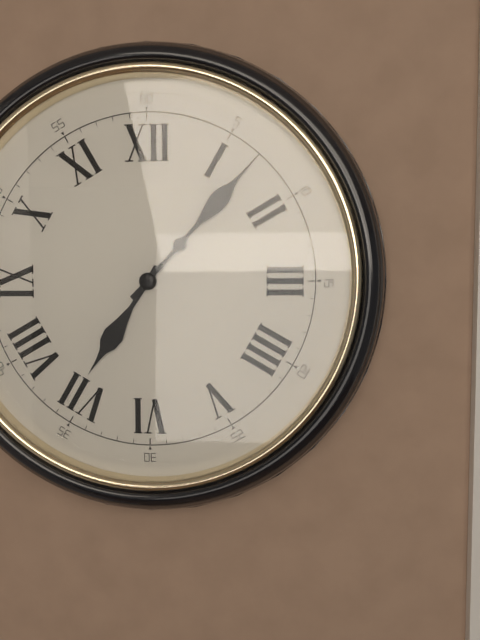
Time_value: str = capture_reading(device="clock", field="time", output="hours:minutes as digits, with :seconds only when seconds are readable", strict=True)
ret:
7:07
